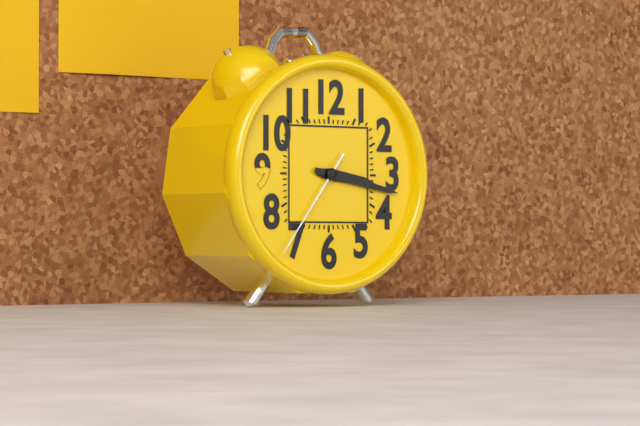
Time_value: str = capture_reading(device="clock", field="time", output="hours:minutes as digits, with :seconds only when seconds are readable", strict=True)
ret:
3:17:36
